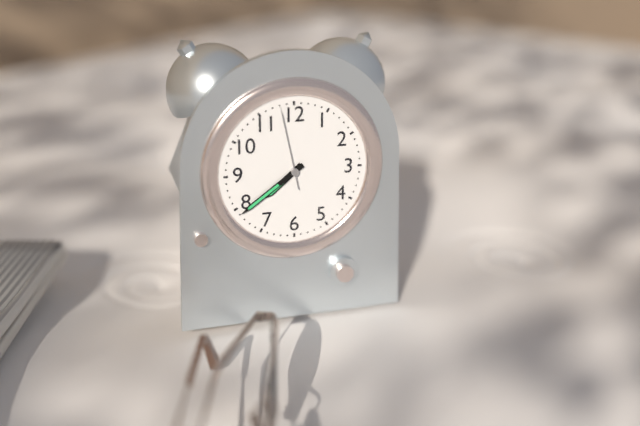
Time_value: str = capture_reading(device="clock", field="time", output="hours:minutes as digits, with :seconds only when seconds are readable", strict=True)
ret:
7:39:58
